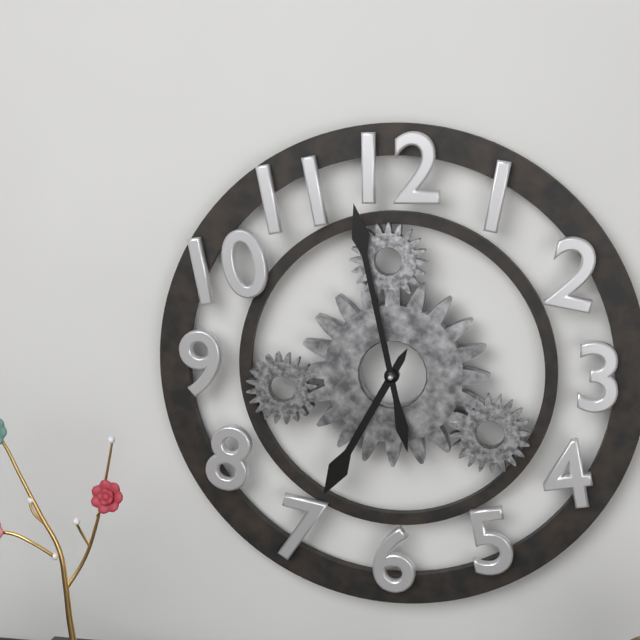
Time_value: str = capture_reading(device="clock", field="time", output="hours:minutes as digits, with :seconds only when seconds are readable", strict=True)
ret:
6:58
